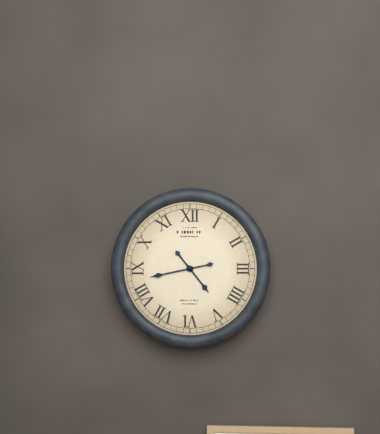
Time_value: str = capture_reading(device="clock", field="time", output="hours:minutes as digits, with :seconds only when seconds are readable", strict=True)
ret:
4:43
